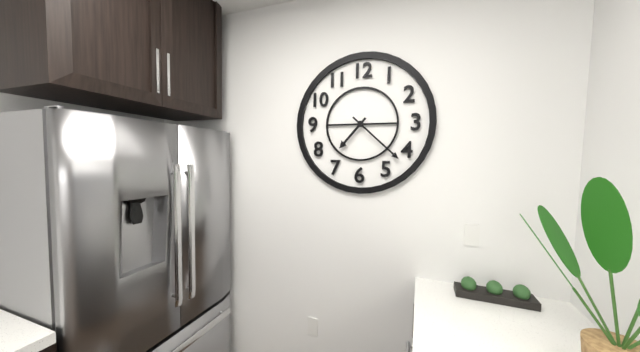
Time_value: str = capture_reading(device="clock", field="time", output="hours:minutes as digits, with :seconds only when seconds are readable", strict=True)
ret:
7:22
